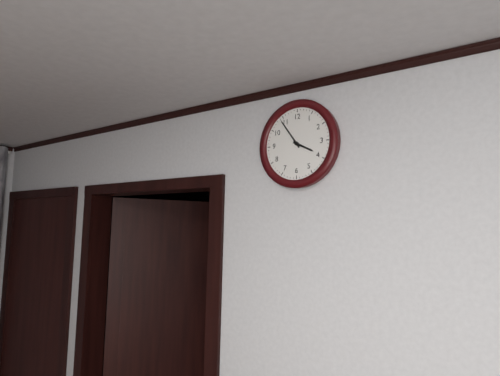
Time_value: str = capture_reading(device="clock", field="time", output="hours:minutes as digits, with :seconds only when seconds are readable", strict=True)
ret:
3:54
